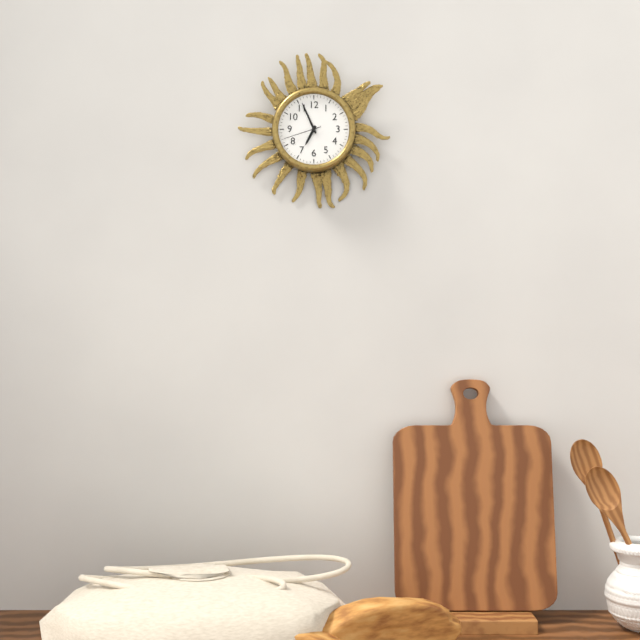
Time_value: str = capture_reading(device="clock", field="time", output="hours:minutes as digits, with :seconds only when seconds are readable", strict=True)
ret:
6:56
